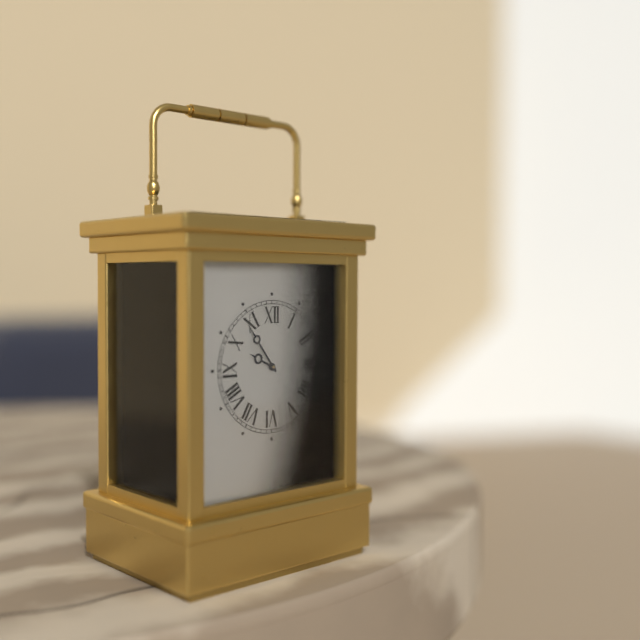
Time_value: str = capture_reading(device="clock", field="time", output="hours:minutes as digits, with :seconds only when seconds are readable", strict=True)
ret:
9:54
